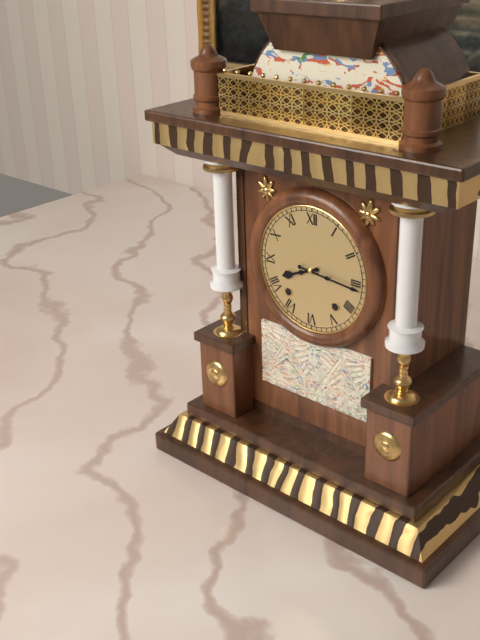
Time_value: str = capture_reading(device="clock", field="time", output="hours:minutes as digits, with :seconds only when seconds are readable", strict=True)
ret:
8:16
